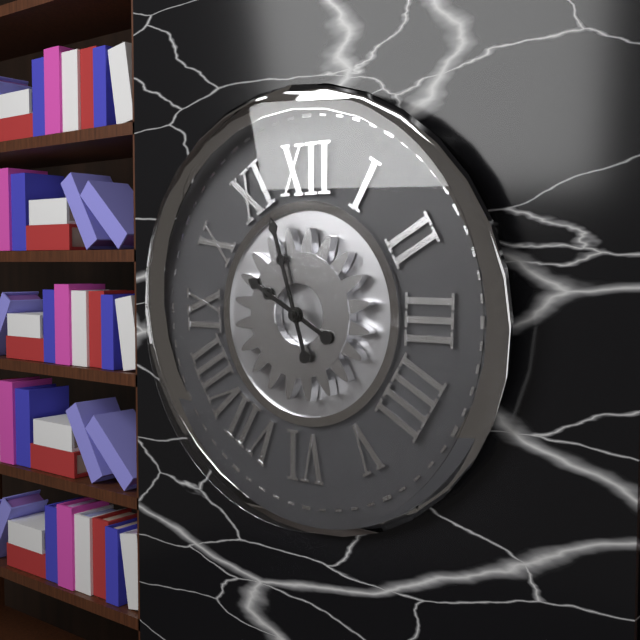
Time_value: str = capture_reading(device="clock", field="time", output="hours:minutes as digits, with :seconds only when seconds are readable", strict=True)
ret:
9:57
